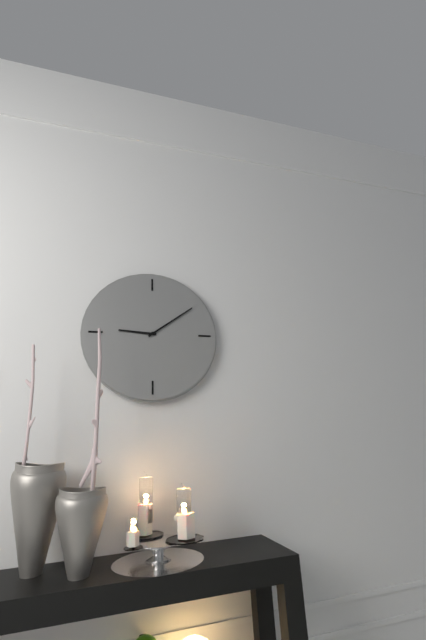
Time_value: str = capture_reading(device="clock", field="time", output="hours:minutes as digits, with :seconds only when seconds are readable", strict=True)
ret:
9:09
